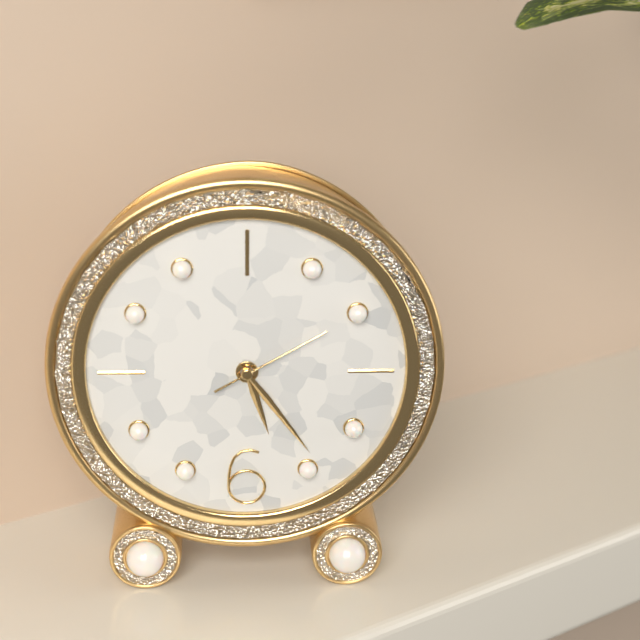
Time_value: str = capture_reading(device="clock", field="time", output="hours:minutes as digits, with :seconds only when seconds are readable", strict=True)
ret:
5:24:10
